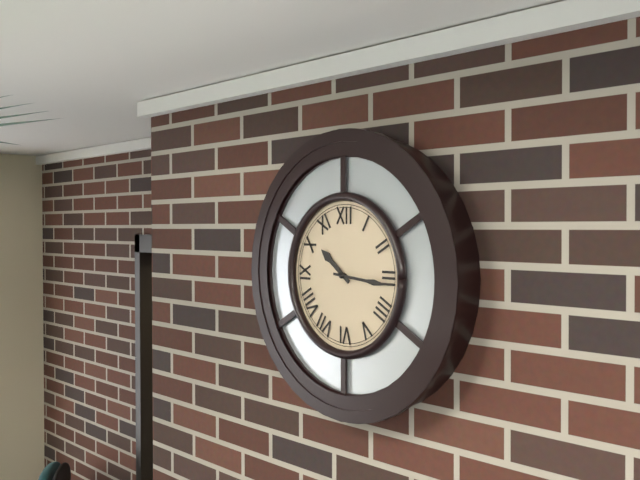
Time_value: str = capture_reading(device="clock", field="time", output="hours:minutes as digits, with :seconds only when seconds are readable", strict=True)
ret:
10:16
